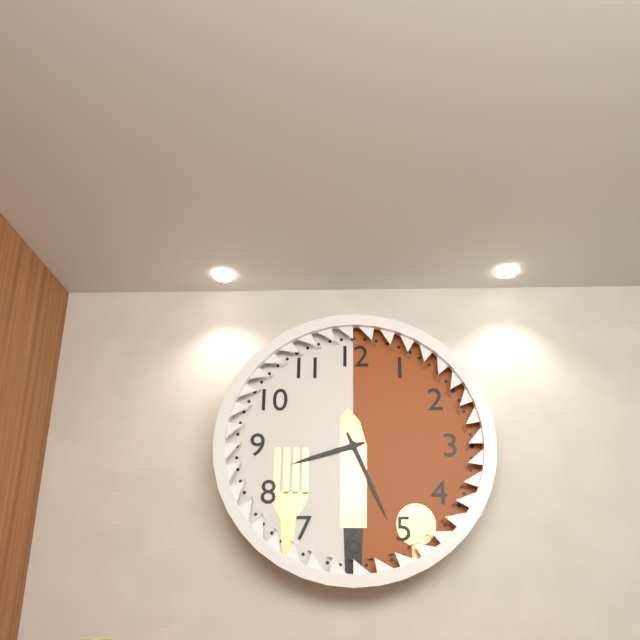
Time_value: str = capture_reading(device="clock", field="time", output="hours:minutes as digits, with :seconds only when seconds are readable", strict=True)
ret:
8:26
